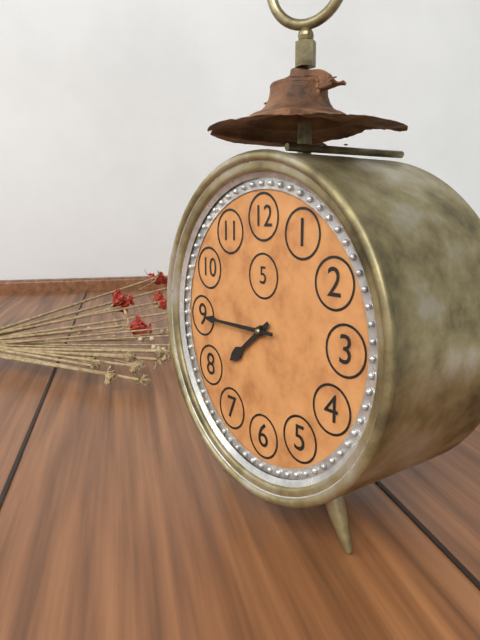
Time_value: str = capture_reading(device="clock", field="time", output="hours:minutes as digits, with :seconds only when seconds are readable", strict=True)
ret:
7:45
